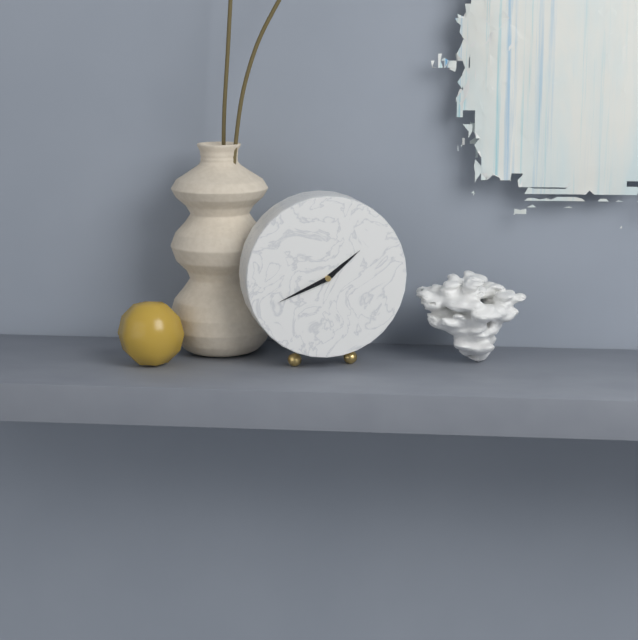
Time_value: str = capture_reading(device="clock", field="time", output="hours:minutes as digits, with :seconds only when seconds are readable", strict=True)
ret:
1:41
